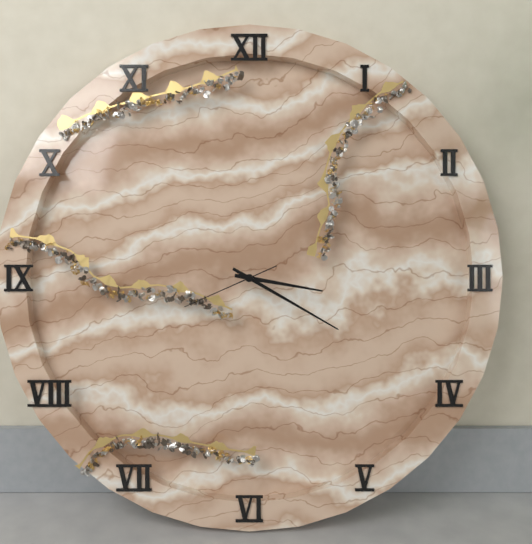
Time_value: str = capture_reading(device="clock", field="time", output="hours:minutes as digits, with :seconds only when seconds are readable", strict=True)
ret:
3:20:41
